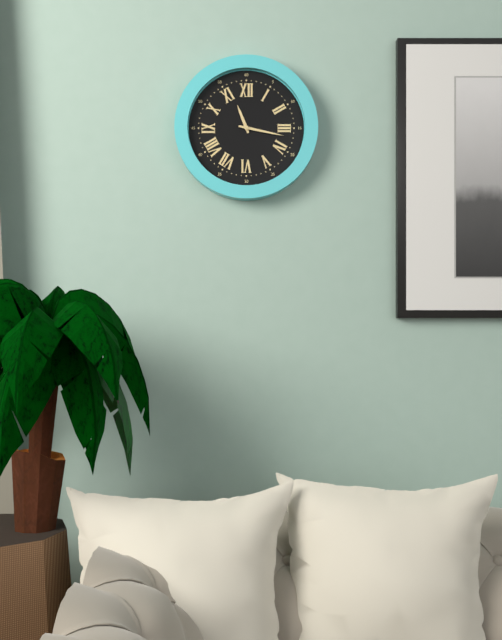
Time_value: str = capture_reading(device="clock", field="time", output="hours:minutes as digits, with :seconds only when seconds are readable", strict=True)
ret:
11:17
